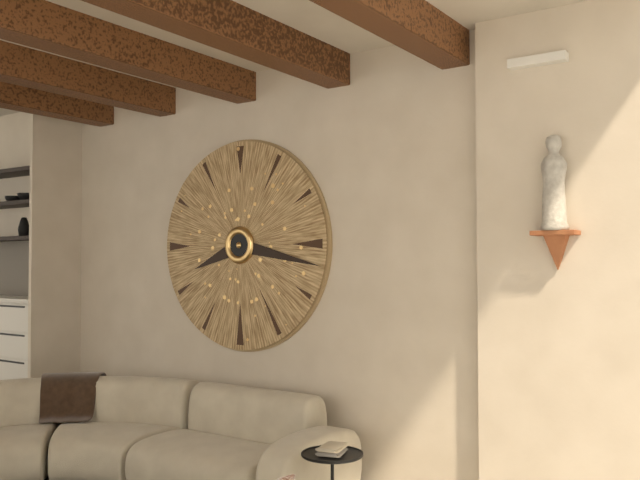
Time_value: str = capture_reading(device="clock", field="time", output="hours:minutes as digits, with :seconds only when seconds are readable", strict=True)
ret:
8:17
